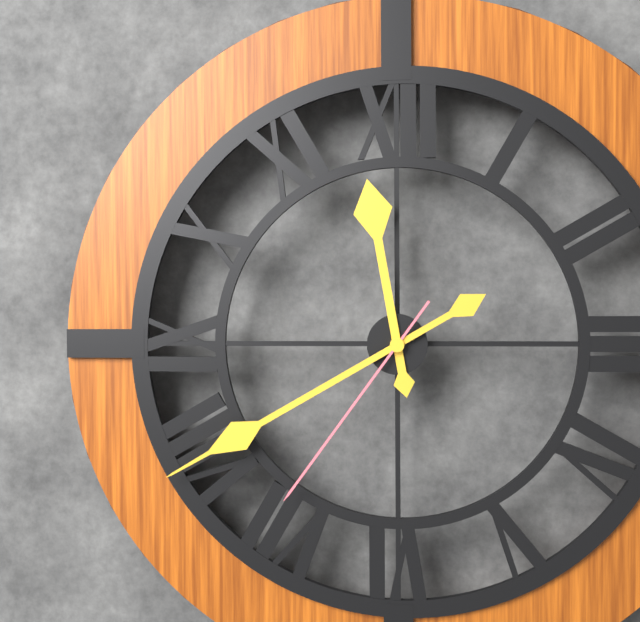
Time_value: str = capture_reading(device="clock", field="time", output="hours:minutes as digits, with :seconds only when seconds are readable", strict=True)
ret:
11:40:36
